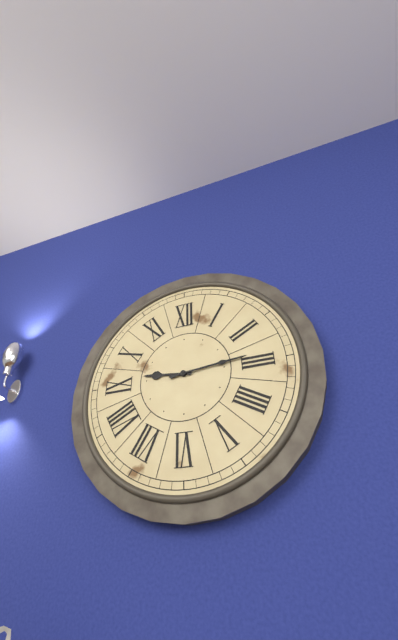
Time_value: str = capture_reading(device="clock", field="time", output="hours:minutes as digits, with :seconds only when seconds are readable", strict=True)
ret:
9:14
